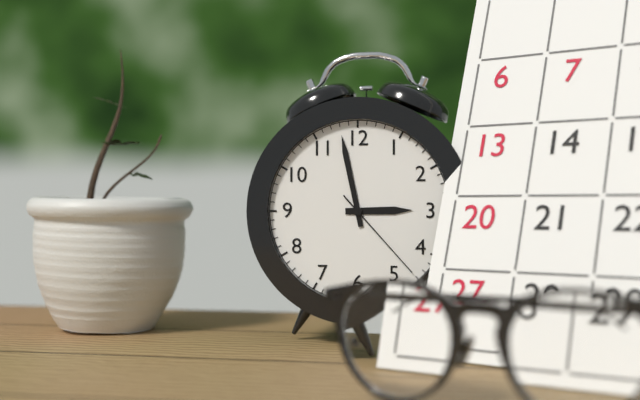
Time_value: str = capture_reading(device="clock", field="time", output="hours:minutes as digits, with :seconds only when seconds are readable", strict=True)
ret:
2:58:23
